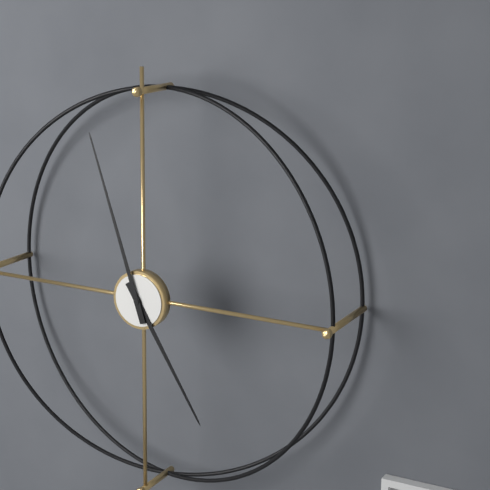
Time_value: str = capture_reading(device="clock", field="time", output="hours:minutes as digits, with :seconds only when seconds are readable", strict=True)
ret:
4:57
